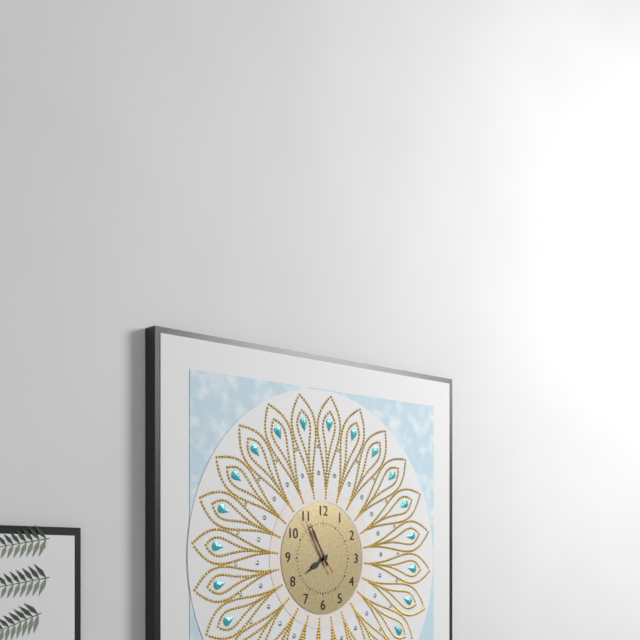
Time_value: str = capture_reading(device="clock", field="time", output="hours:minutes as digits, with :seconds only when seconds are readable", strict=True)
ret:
7:55:54
